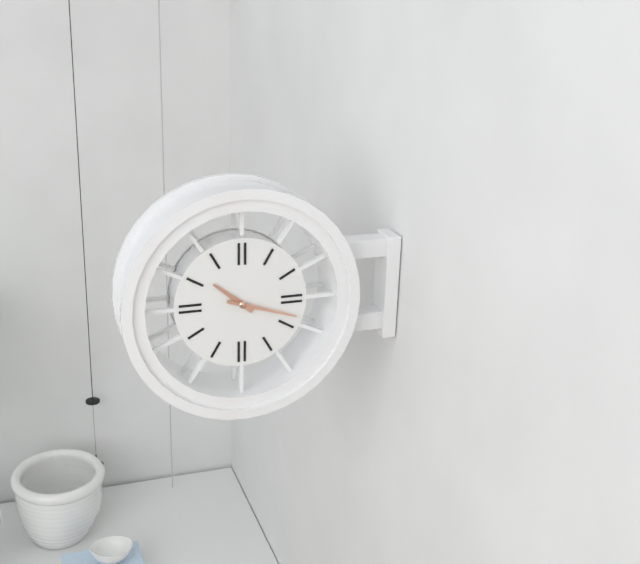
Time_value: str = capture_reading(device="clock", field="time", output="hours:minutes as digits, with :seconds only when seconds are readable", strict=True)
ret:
10:18
